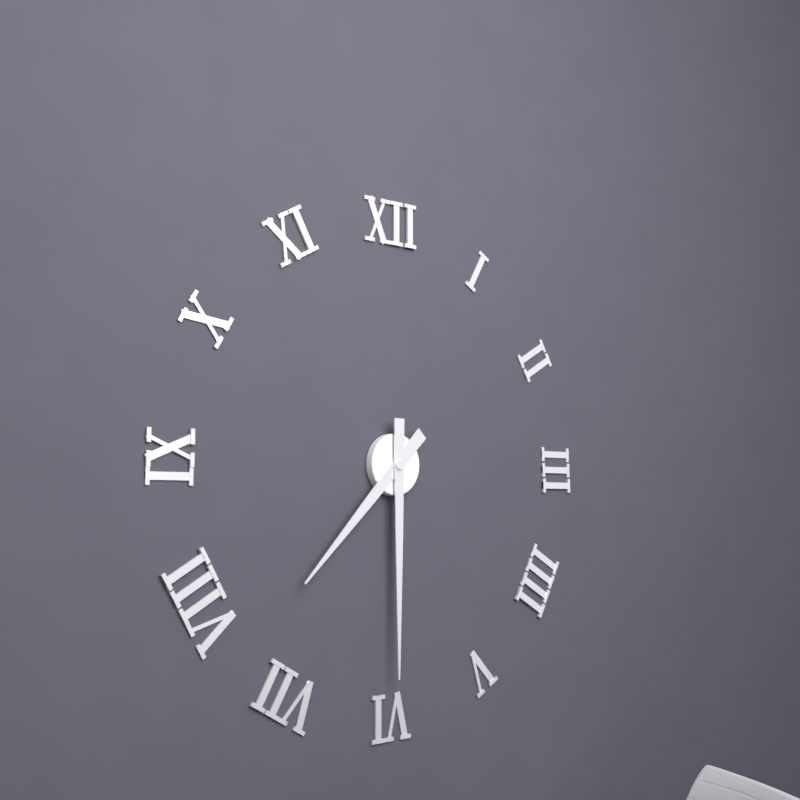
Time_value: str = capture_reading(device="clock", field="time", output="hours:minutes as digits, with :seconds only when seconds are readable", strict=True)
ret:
7:30
